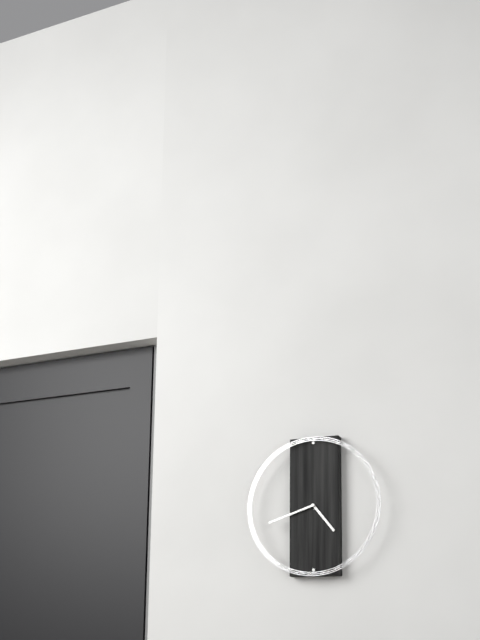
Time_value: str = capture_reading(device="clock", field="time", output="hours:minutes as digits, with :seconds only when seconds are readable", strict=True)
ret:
4:42
